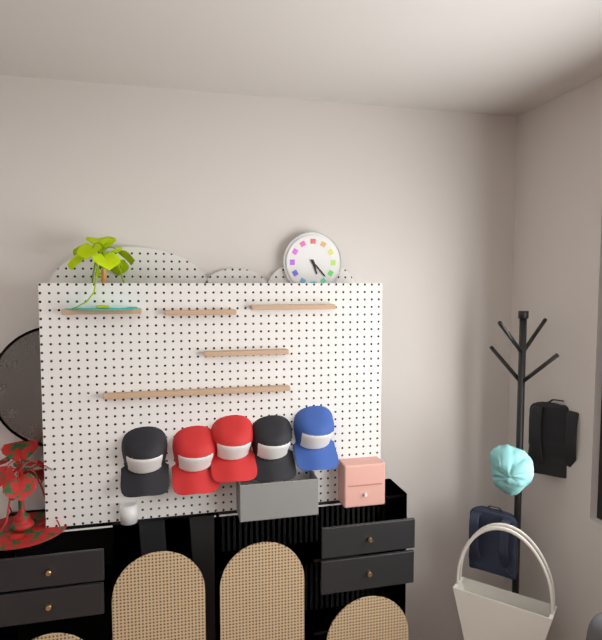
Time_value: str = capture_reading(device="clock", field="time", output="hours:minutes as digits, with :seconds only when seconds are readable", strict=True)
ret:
5:23
